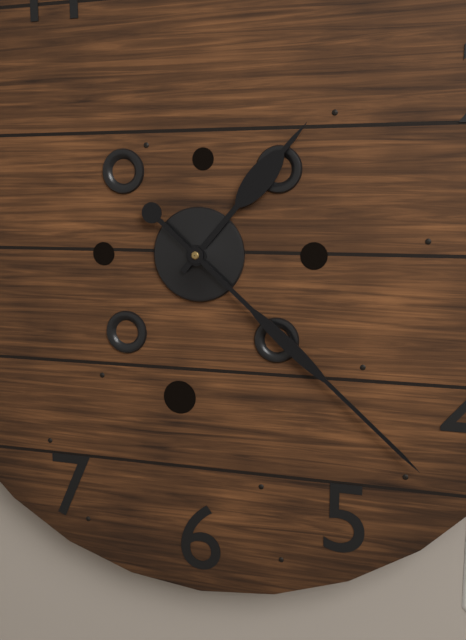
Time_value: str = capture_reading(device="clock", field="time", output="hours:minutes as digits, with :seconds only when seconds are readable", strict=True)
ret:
1:22
